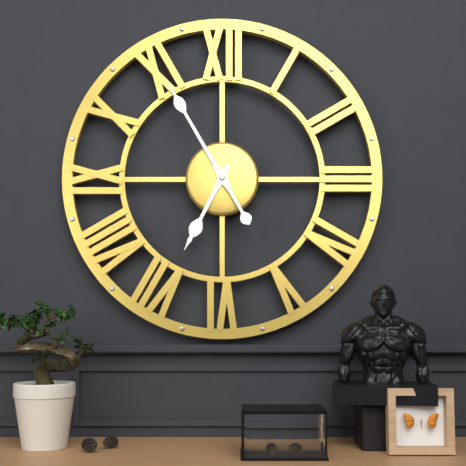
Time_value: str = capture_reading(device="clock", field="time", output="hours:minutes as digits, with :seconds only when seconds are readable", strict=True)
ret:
6:55
